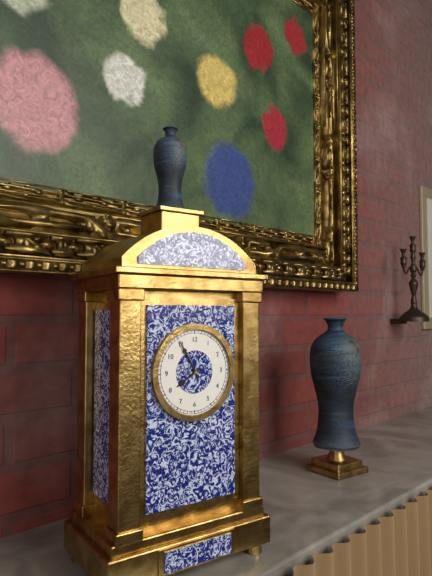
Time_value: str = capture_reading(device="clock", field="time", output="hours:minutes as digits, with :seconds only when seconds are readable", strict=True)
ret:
7:55
